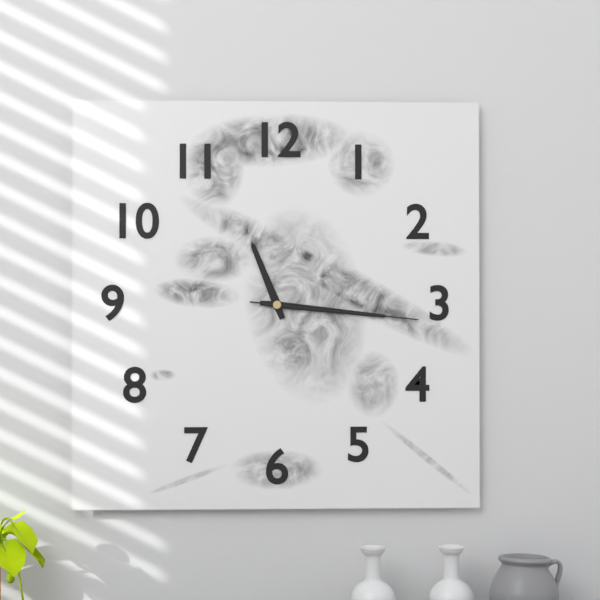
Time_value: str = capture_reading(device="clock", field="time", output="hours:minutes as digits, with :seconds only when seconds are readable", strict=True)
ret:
11:16:16
